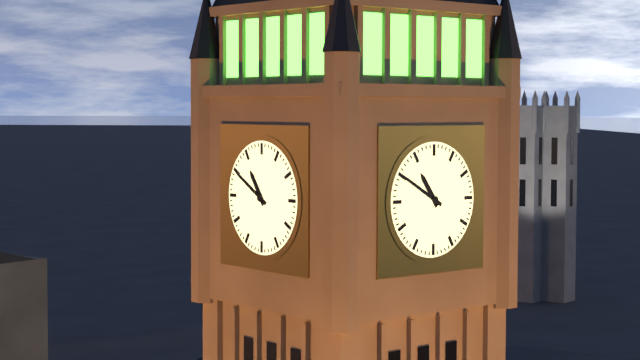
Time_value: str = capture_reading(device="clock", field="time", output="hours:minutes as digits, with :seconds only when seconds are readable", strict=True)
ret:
10:50
